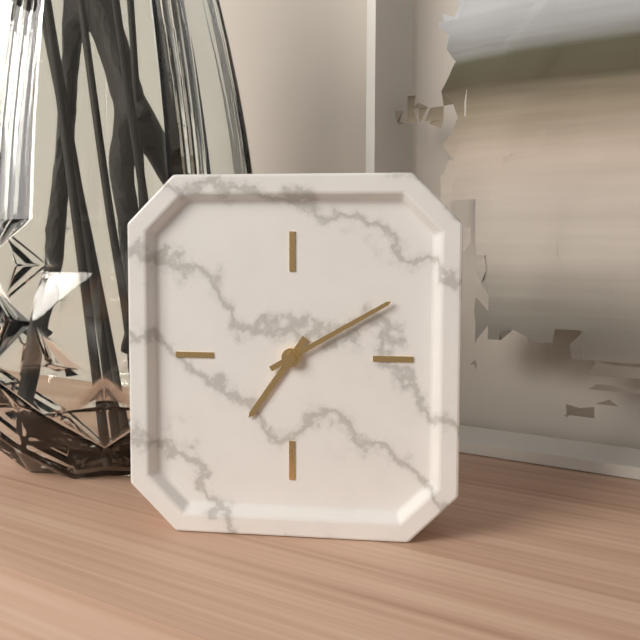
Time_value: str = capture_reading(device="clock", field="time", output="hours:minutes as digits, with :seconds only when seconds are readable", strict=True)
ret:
7:10
